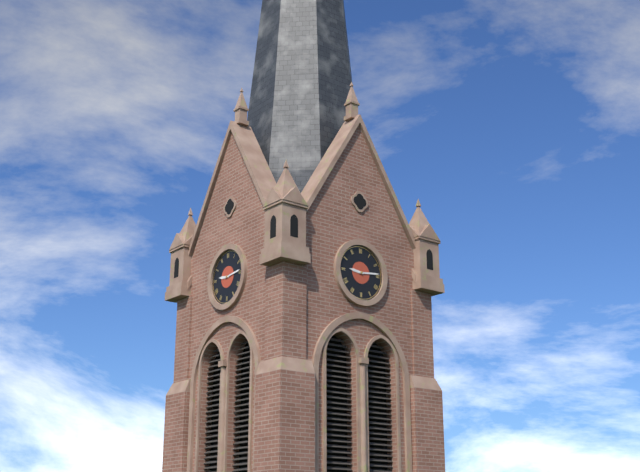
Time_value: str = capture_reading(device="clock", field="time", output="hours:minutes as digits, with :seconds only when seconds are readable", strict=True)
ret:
9:14
